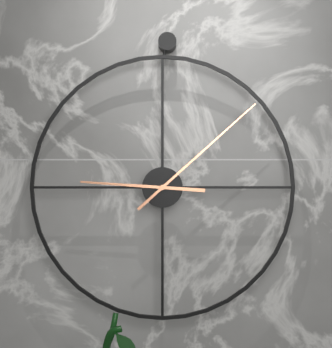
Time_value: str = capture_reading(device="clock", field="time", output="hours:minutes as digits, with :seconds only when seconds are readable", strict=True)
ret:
9:08
